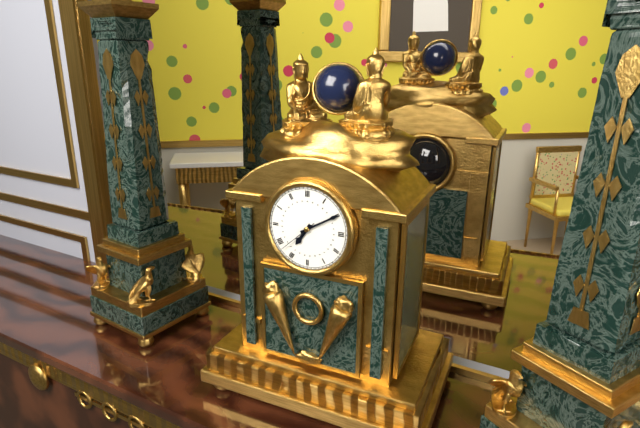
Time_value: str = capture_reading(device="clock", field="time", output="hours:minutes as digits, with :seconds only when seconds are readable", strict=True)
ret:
7:10
